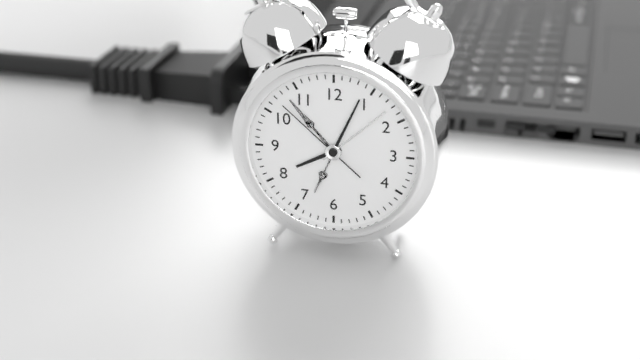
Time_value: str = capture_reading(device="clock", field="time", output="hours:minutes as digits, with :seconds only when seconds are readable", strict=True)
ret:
8:04:52
